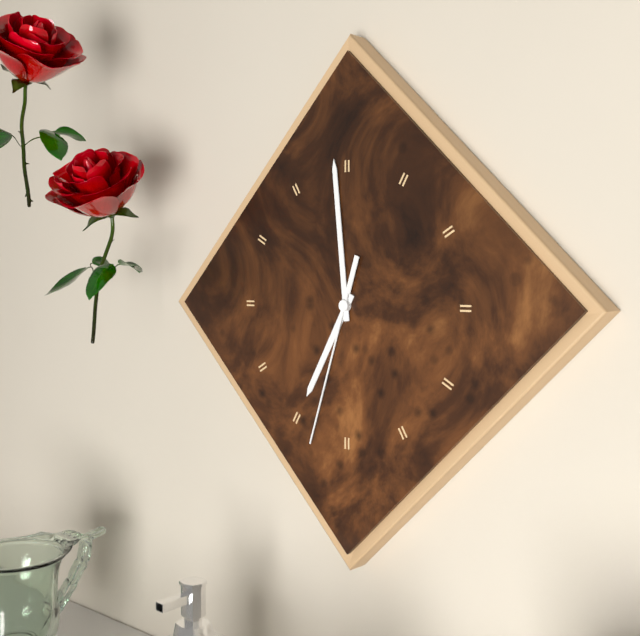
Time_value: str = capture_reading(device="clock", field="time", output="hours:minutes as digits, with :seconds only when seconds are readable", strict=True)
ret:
6:59:33
